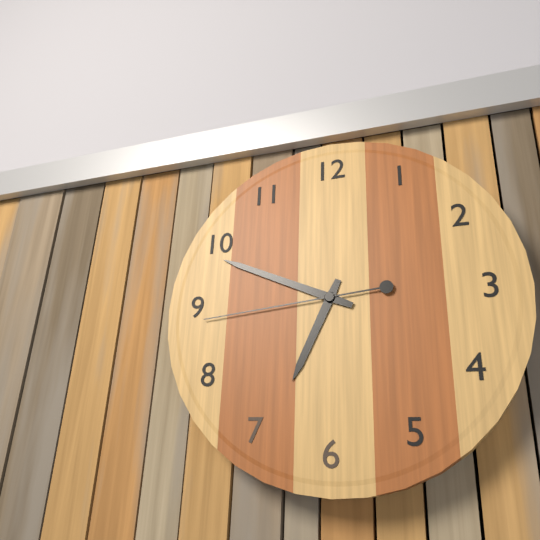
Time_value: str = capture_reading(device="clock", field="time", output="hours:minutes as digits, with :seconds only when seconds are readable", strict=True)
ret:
6:49:44
